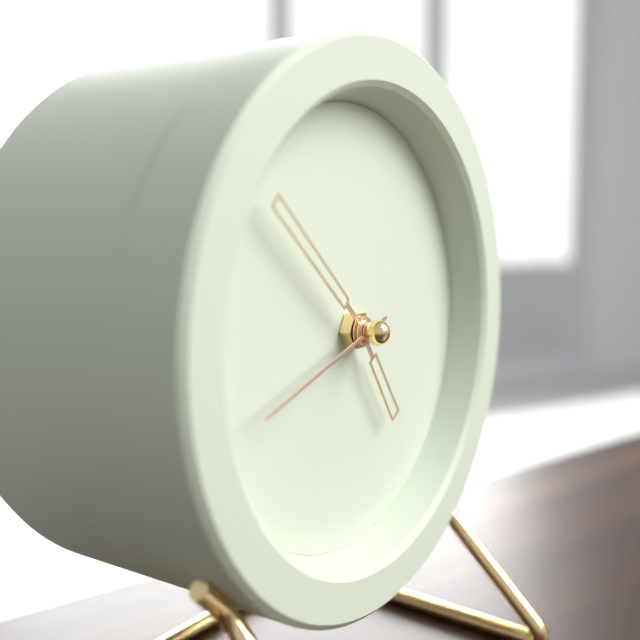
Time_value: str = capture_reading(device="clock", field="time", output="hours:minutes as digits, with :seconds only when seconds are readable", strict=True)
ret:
4:52:42
